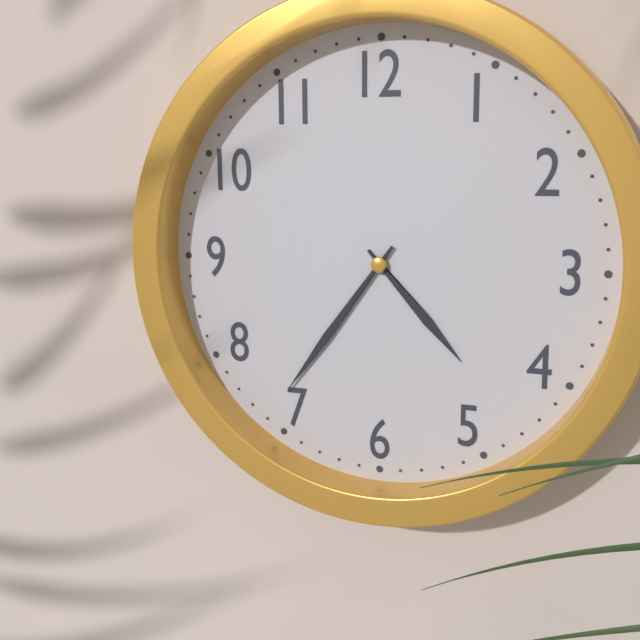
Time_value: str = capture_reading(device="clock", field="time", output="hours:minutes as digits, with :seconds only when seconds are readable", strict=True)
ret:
4:36
